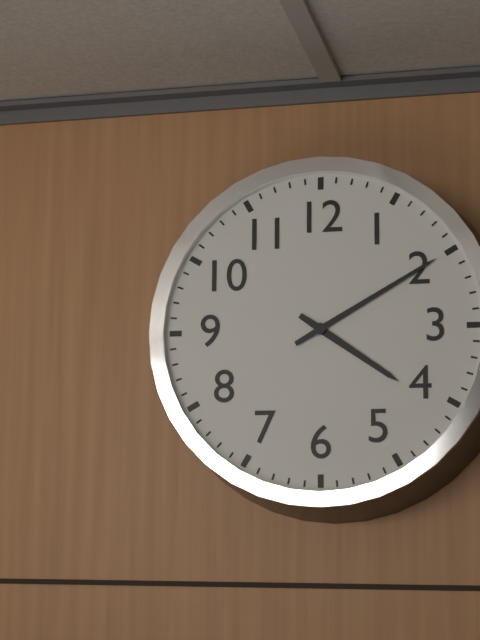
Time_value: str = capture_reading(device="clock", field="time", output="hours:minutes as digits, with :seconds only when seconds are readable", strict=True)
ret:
4:10
